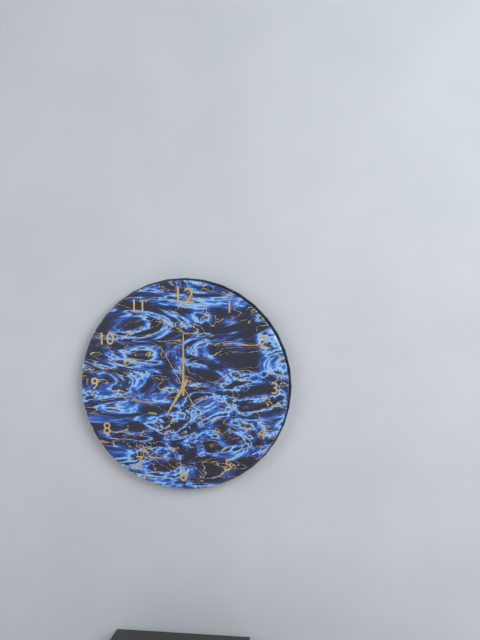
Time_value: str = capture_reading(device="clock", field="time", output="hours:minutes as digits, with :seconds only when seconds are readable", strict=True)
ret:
7:00:55
